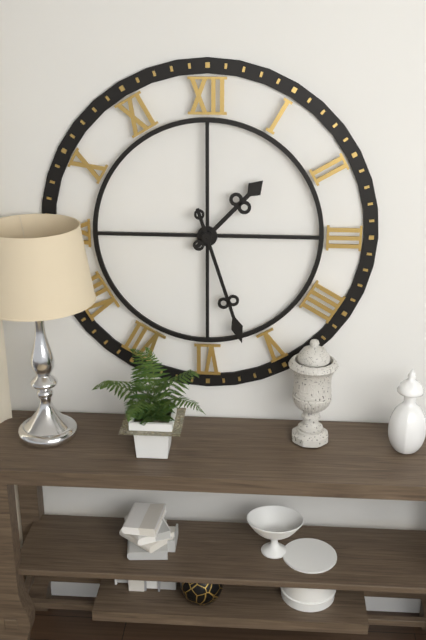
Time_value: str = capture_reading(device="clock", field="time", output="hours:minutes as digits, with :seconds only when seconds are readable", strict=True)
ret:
1:27
